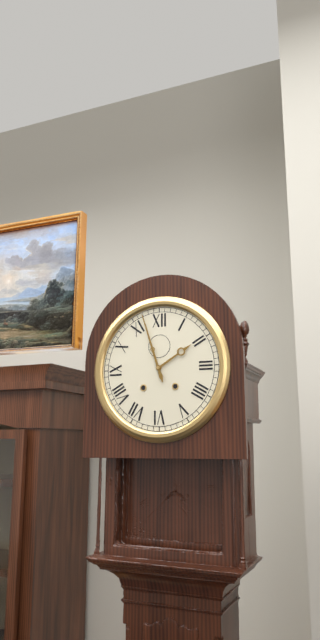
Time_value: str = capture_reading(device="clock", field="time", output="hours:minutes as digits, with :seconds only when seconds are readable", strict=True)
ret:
1:57
